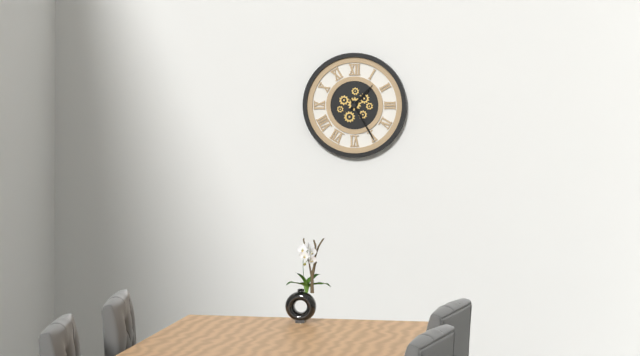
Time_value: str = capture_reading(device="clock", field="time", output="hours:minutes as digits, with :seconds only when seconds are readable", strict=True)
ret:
1:25
